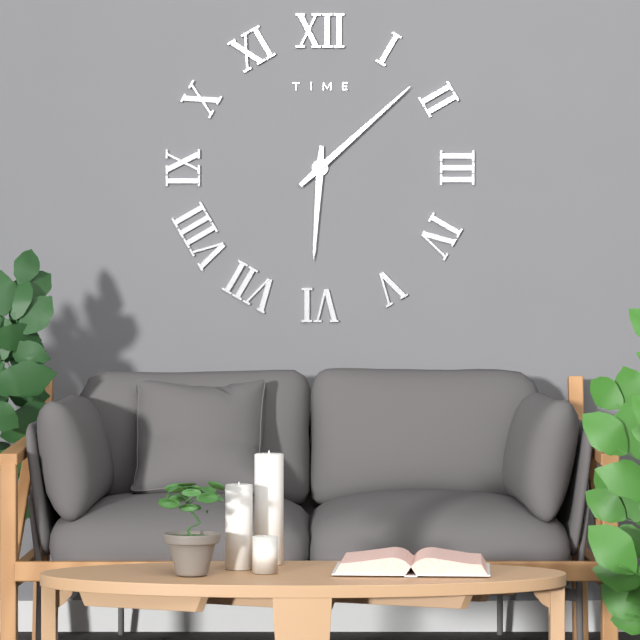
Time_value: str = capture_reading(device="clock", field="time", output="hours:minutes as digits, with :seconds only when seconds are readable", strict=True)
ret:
6:08
